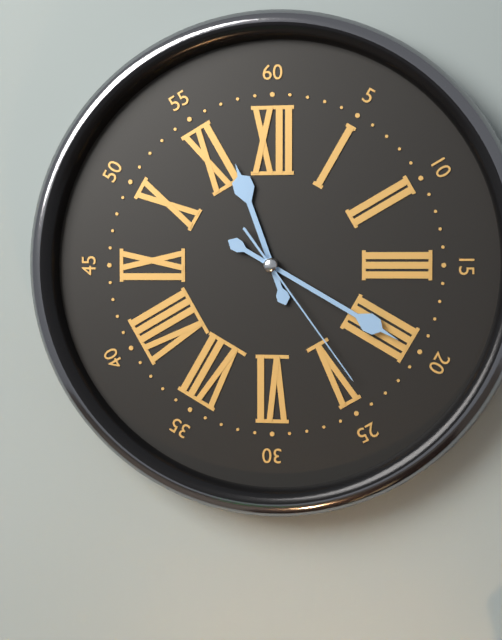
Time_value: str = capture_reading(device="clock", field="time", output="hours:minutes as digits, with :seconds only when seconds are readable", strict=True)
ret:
11:20:24
